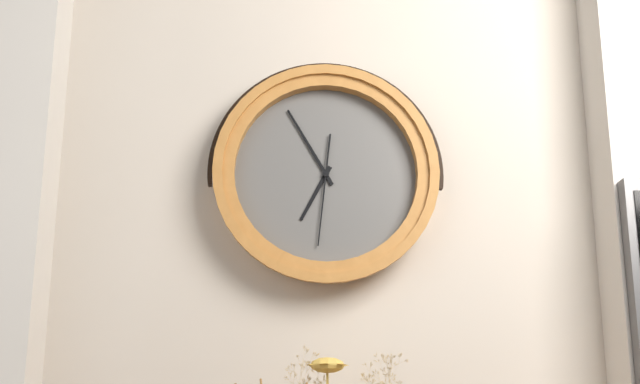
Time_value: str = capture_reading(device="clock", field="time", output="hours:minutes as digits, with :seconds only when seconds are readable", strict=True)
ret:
6:55:31
